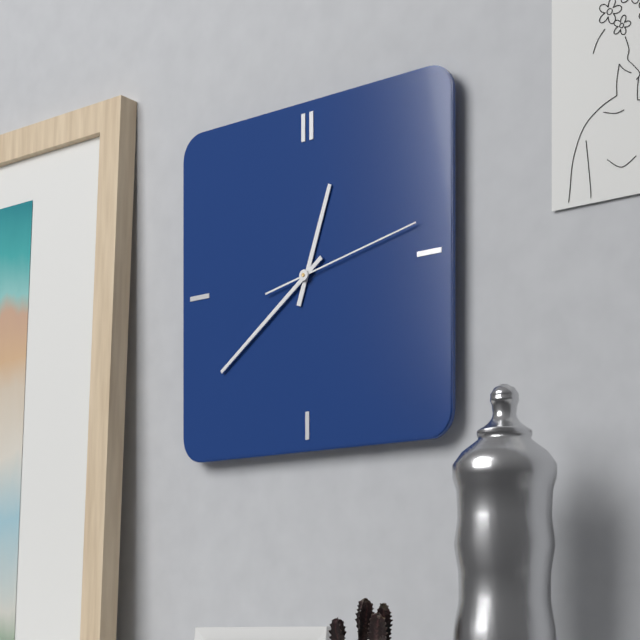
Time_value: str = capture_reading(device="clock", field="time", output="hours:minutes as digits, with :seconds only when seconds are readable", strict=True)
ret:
12:39:13
